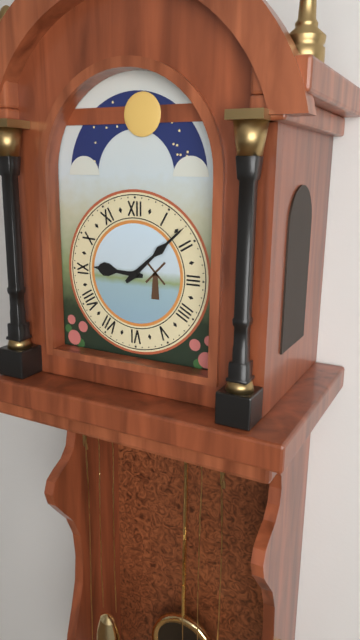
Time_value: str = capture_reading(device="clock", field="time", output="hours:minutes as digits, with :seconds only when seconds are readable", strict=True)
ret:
9:08
